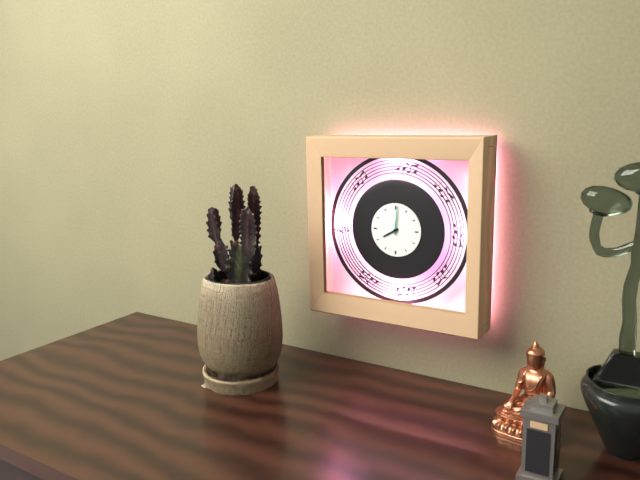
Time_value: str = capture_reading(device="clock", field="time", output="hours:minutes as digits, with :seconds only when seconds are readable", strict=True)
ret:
8:01
